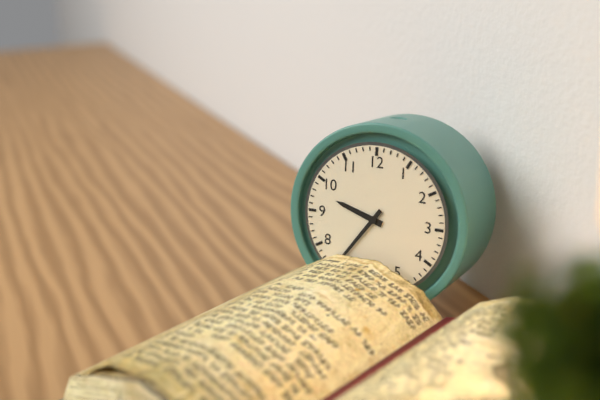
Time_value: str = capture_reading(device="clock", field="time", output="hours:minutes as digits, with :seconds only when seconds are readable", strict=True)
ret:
9:36
